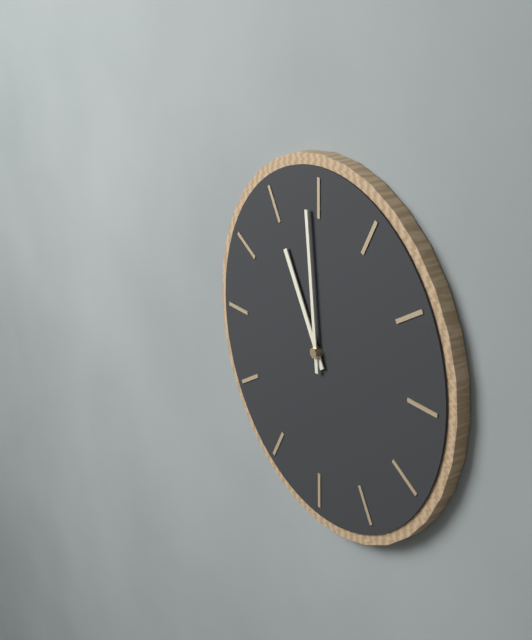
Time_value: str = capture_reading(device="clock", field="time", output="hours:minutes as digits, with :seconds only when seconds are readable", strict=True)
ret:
10:59
